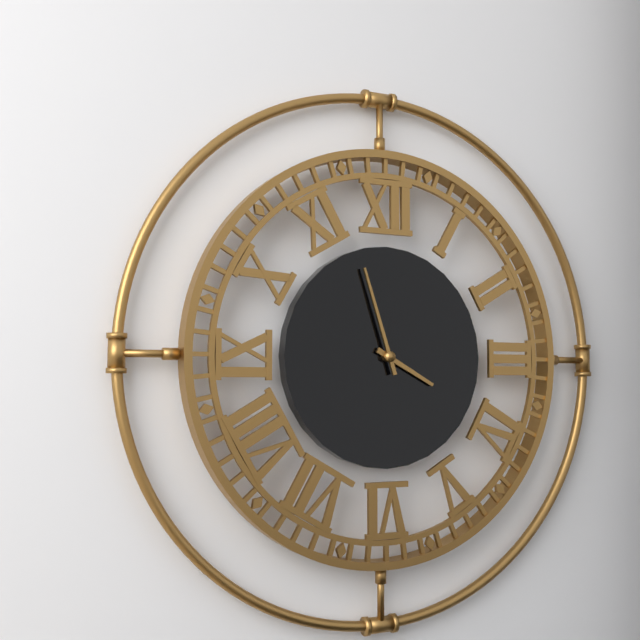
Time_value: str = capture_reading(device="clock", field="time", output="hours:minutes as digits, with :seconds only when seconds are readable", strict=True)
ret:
3:57
